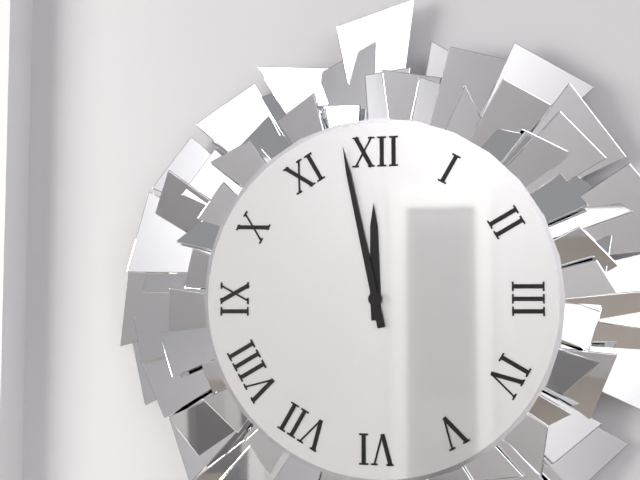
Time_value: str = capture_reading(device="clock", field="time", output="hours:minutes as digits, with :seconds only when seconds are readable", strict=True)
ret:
11:58
